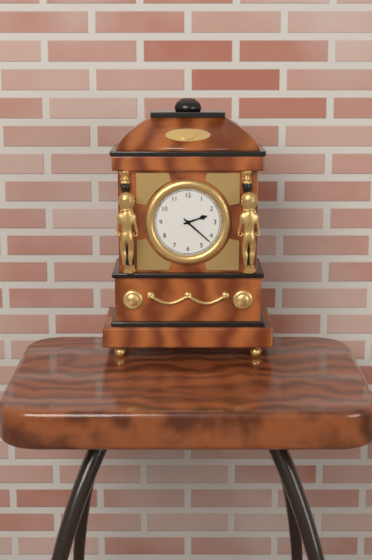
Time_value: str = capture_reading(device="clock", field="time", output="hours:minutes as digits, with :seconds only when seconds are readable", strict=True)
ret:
2:22
